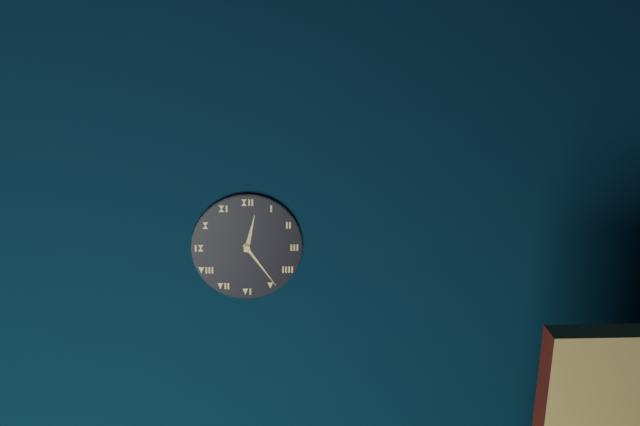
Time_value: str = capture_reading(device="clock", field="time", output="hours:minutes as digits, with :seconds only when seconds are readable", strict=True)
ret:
12:24
